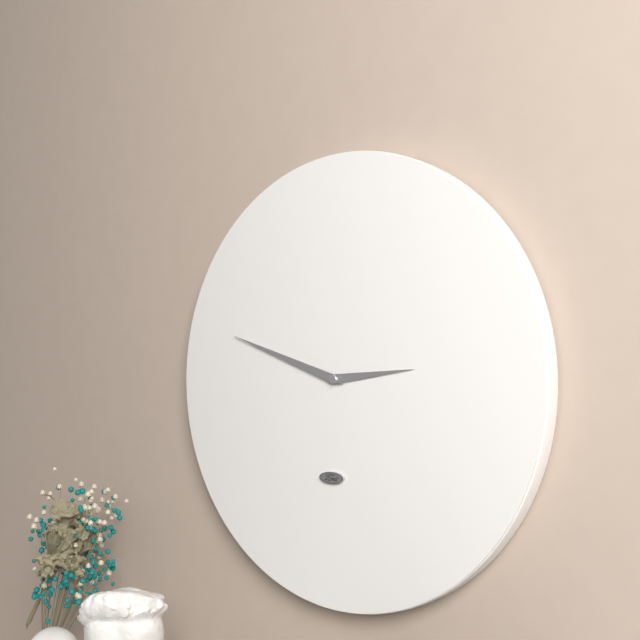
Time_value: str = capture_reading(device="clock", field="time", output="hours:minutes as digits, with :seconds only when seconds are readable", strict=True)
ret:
2:48
